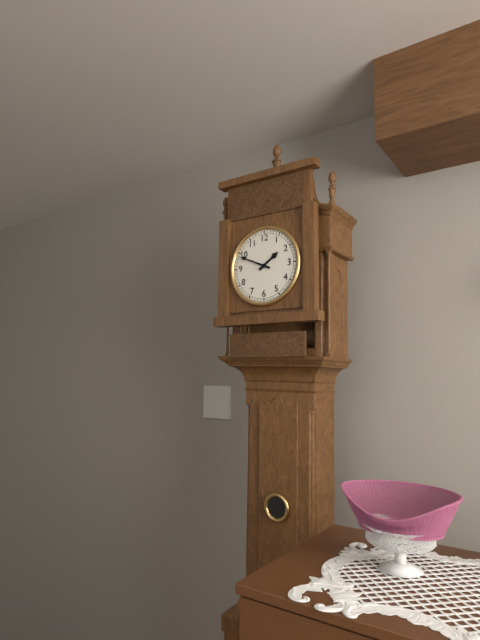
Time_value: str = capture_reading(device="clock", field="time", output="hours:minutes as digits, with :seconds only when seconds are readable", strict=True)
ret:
1:49
